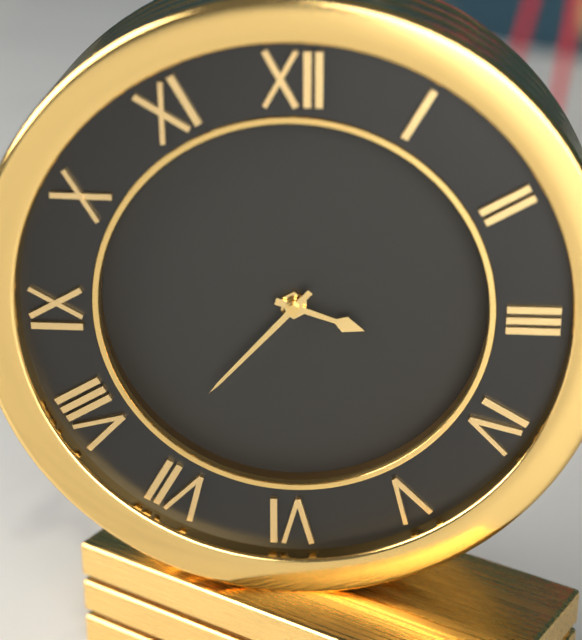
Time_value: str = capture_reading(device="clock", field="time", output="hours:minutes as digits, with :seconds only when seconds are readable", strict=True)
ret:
3:37
